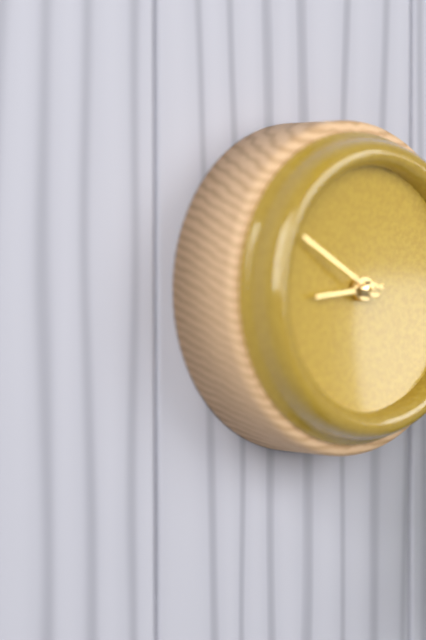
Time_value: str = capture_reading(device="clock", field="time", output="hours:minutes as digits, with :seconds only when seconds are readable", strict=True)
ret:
8:50
